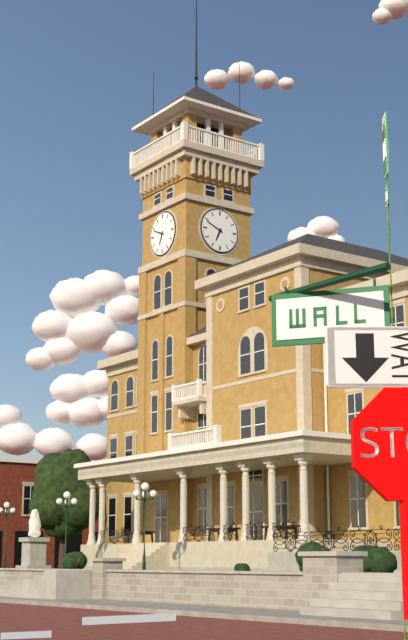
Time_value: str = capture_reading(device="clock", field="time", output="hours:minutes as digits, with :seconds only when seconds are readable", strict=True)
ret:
6:49
